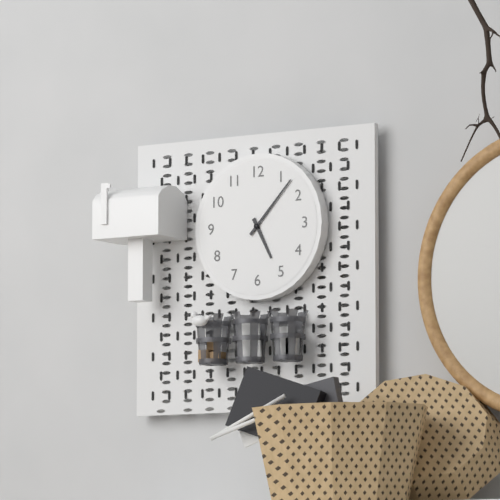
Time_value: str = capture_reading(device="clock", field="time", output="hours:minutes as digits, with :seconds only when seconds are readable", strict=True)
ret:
5:07
